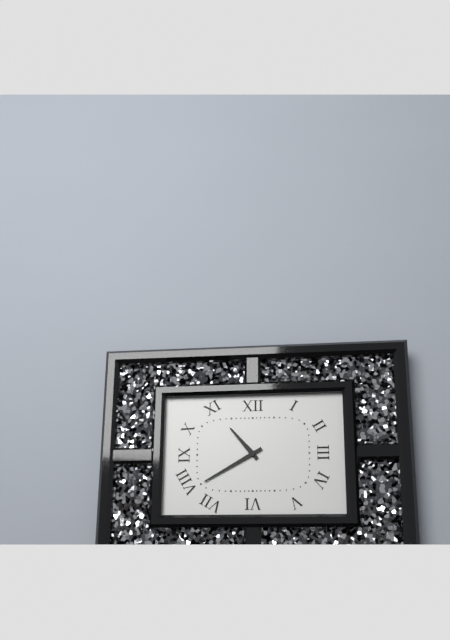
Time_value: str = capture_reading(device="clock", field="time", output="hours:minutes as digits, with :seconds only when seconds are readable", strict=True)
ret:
10:40
